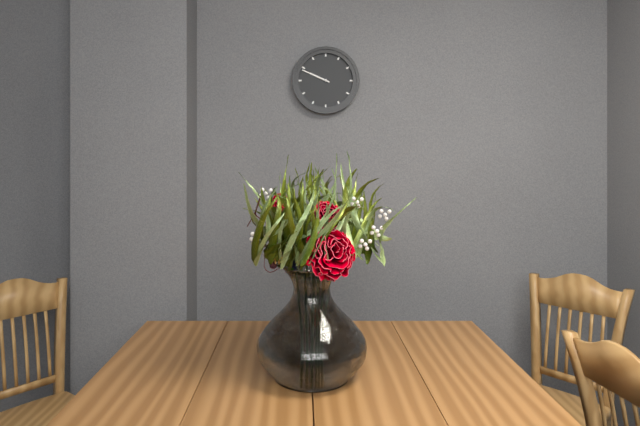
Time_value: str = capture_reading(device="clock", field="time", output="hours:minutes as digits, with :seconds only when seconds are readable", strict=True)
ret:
9:49
